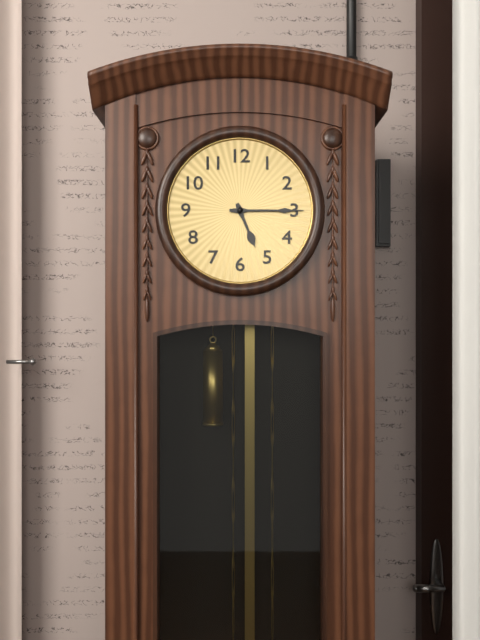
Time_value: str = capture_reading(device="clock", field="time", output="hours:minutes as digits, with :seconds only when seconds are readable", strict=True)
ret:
5:15
